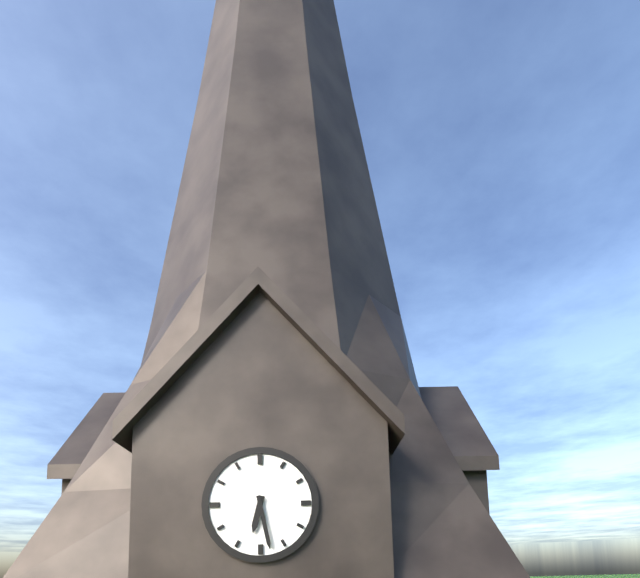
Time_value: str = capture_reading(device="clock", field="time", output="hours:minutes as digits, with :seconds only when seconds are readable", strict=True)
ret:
6:28
